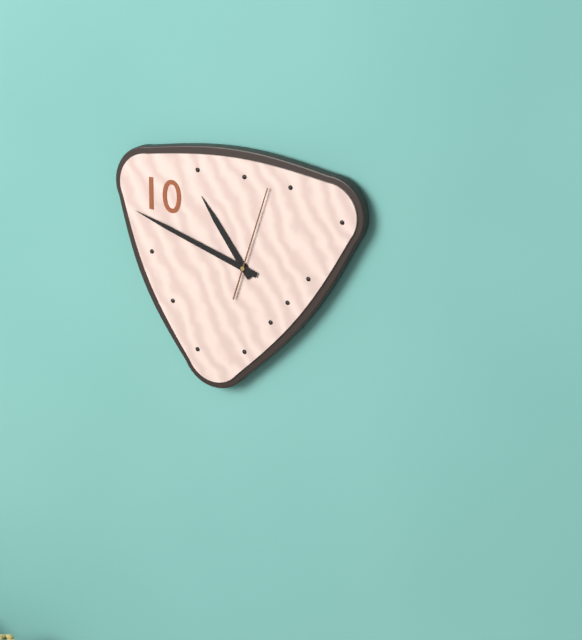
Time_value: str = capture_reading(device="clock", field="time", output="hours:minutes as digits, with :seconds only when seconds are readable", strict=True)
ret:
10:48:03
